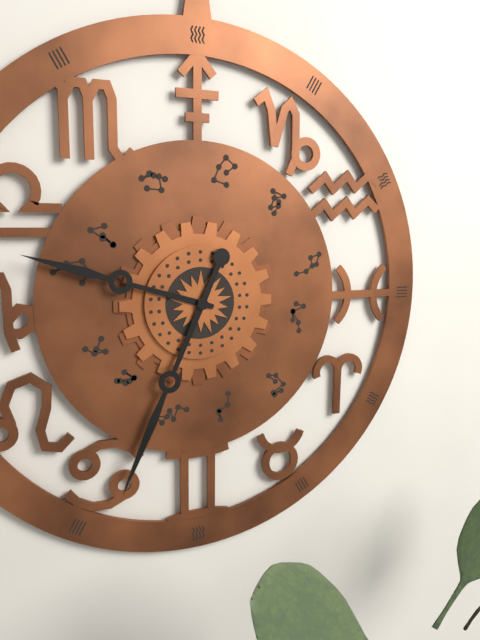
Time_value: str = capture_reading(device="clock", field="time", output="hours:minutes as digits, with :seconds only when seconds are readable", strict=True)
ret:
9:34
